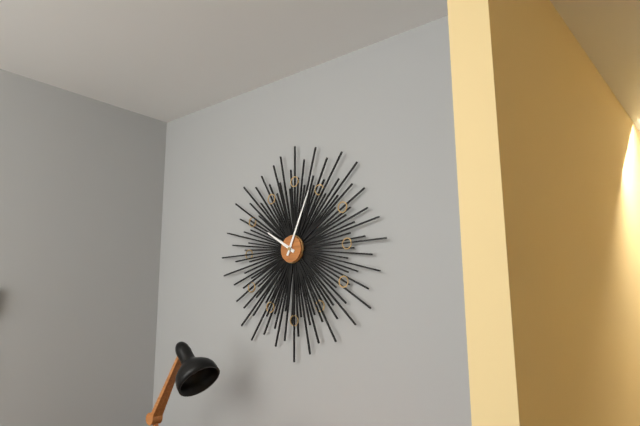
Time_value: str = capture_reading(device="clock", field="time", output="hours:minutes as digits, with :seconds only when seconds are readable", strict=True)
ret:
10:04
